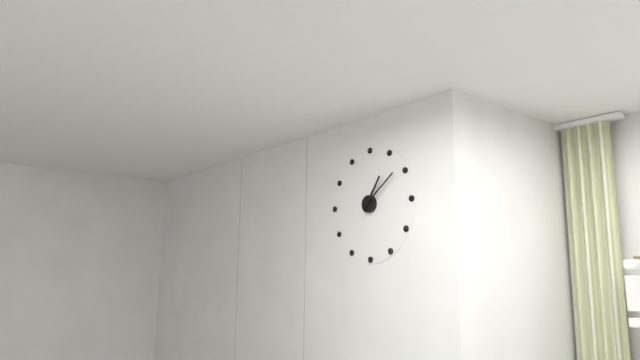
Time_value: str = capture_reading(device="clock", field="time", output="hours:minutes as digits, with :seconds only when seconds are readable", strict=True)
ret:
1:09
